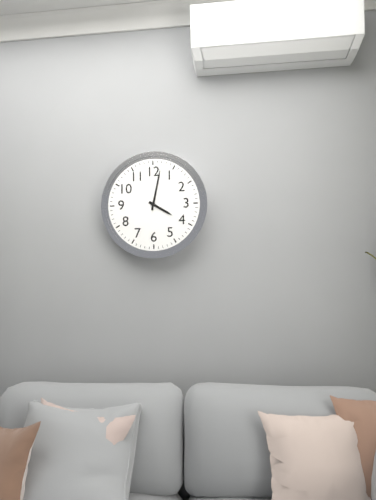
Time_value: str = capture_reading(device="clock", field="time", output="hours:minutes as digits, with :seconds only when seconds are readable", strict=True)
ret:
4:02
